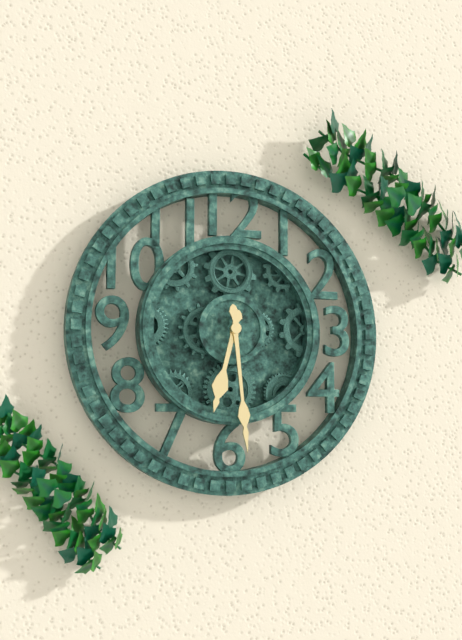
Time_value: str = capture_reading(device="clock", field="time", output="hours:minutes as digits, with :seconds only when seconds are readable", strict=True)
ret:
6:29
